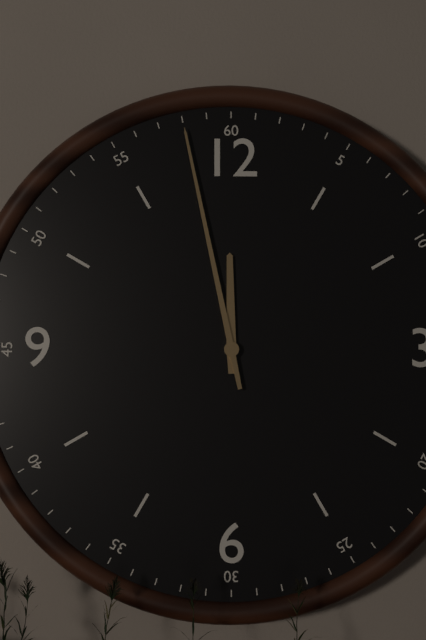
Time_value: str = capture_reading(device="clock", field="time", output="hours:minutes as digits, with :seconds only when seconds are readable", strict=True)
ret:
11:58
